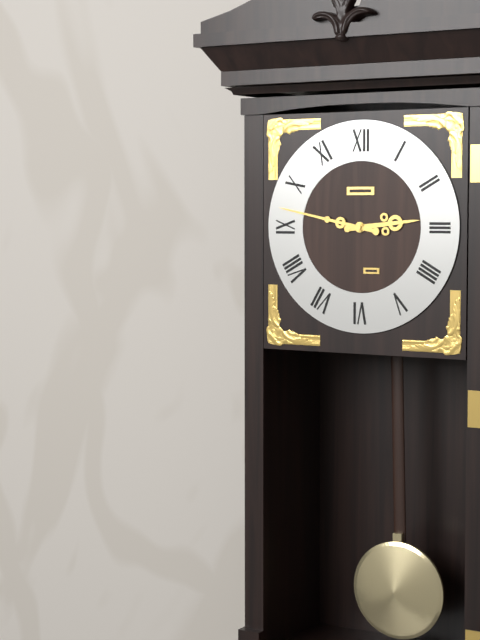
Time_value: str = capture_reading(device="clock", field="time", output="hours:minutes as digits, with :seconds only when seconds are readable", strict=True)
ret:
2:47
